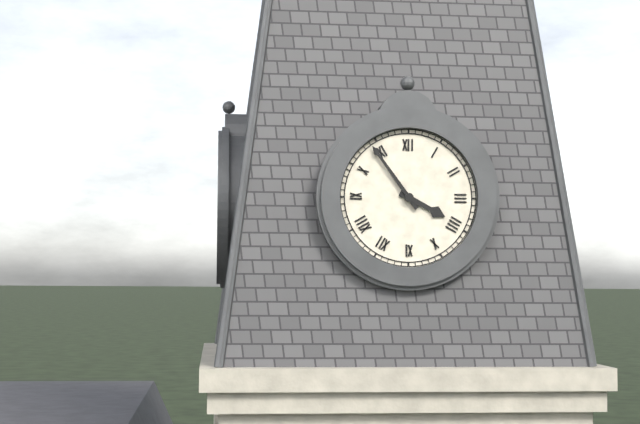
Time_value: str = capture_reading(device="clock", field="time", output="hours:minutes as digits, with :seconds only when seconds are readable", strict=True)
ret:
3:54
